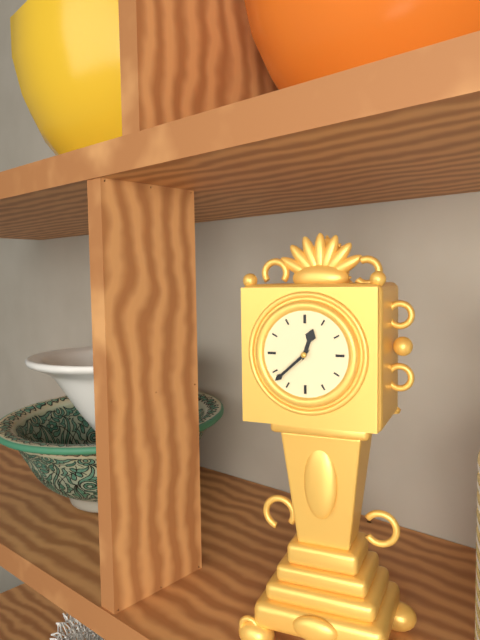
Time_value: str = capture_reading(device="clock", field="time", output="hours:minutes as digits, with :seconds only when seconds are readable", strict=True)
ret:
12:38
